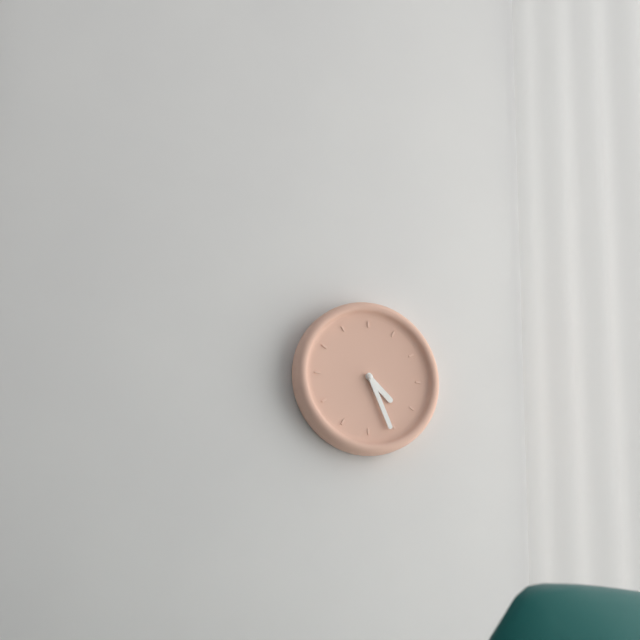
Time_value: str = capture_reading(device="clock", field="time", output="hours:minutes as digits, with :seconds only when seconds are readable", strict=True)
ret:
4:26
